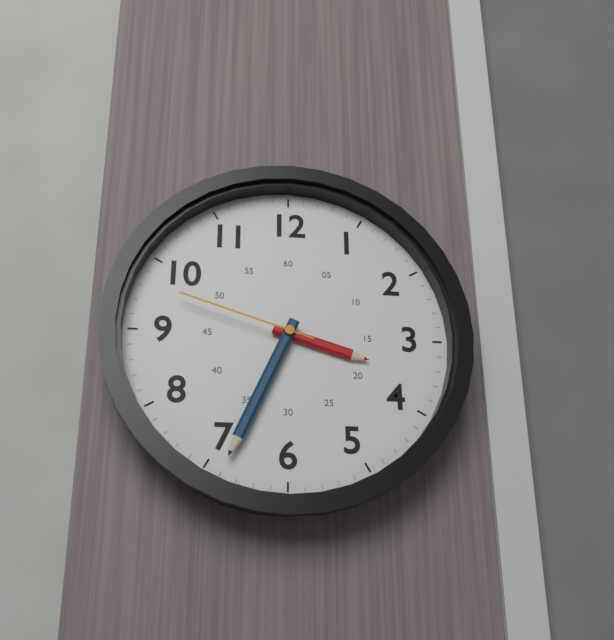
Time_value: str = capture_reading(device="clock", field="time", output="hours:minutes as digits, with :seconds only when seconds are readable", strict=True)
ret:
3:34:48
